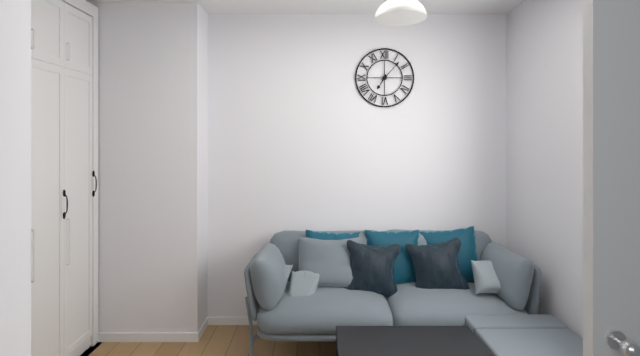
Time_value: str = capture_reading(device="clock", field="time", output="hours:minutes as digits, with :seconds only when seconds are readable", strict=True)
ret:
7:07
